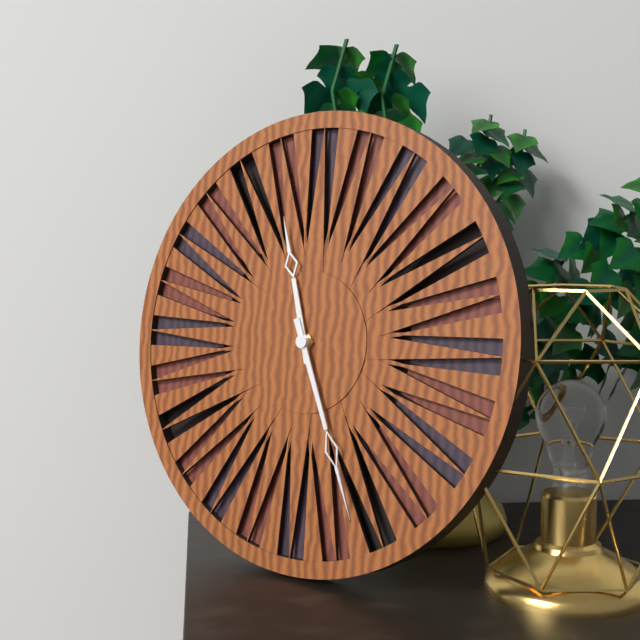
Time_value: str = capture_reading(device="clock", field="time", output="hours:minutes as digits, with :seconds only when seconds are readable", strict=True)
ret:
11:26
